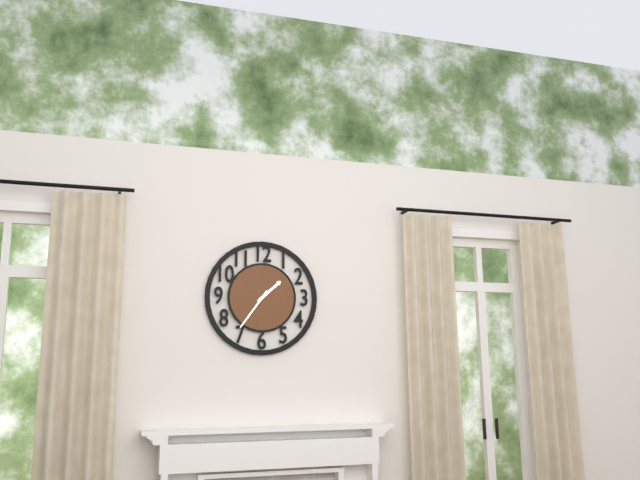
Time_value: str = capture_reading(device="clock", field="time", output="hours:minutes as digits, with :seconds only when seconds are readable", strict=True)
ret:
1:36
